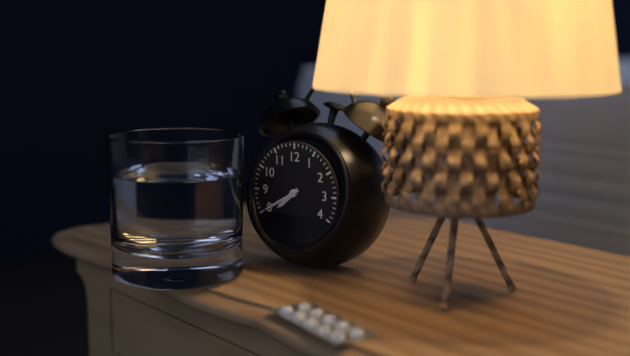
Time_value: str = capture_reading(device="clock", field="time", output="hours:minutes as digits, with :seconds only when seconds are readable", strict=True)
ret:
7:40
